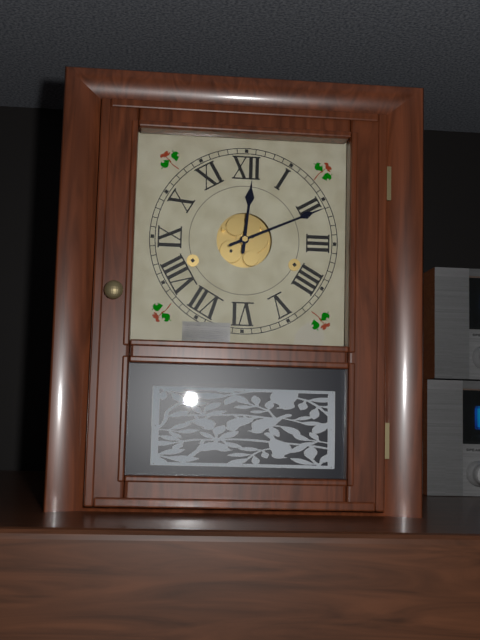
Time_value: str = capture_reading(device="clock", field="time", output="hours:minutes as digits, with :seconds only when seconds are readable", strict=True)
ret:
12:11
